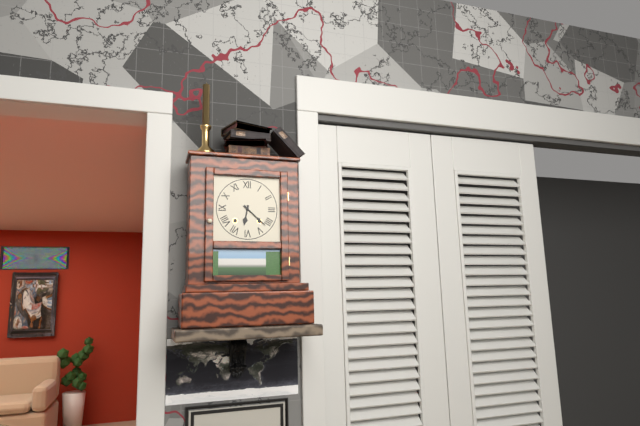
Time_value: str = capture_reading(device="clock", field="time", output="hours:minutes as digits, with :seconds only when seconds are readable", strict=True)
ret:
6:22
